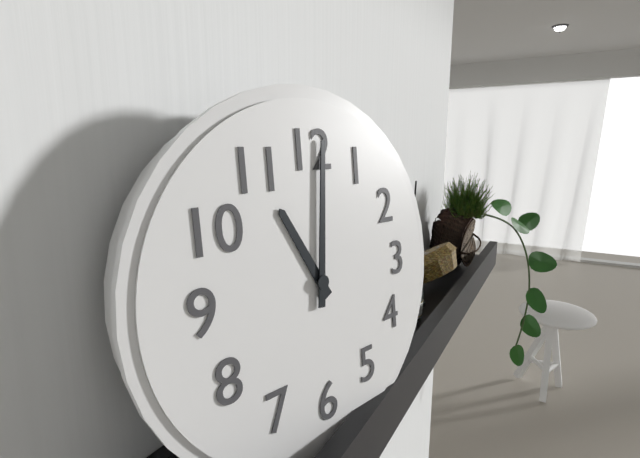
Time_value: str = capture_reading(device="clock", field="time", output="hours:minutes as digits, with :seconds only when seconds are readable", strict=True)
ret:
11:01
